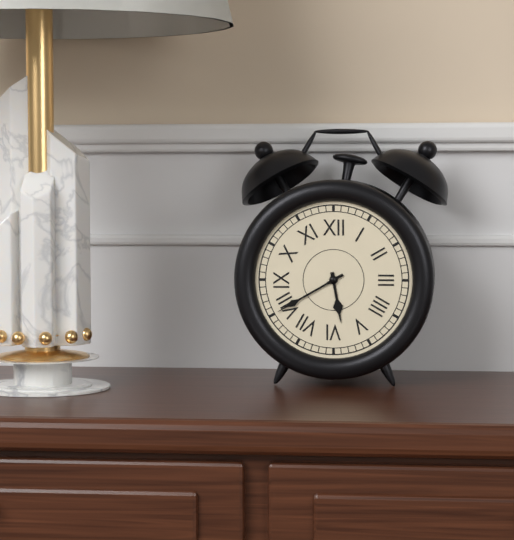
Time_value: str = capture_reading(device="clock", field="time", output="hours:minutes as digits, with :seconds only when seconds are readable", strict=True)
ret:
5:40
